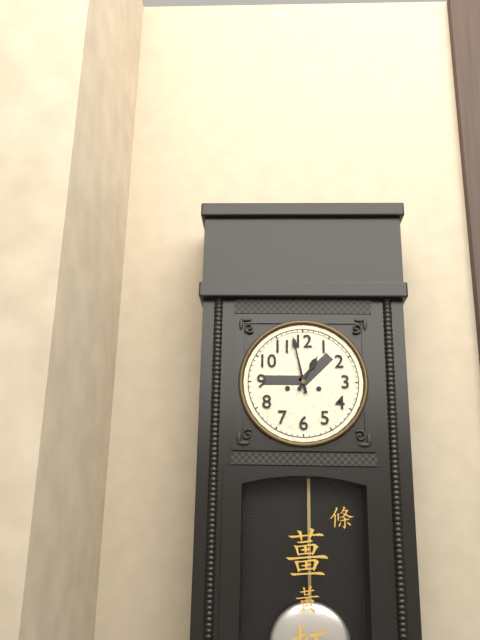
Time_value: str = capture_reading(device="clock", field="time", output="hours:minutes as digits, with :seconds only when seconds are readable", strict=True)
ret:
12:58
